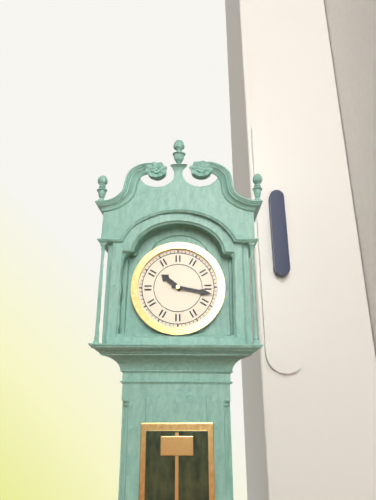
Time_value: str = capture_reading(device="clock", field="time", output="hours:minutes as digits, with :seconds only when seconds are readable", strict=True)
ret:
10:17
